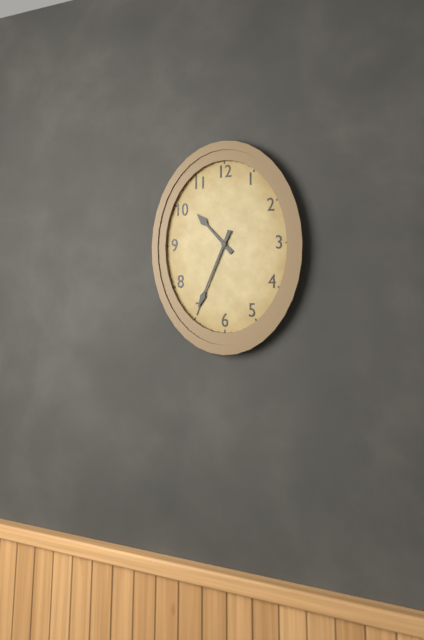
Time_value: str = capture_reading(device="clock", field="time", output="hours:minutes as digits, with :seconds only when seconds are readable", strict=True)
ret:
10:34
